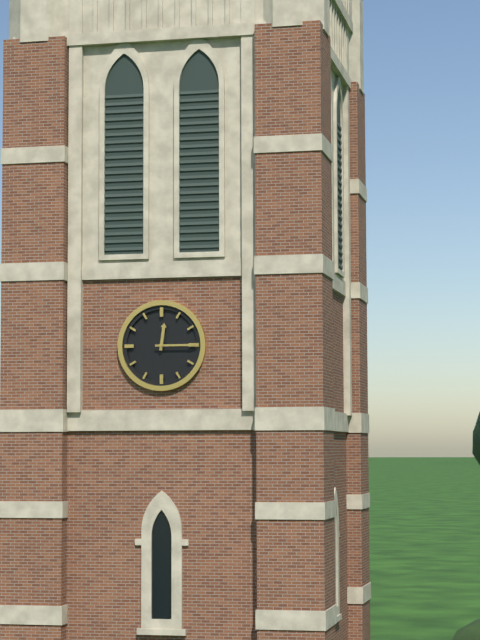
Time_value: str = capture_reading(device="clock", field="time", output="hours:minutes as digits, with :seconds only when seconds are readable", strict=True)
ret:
12:15
